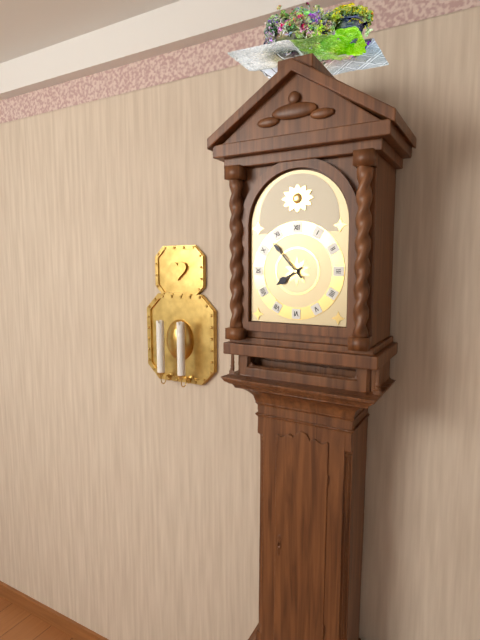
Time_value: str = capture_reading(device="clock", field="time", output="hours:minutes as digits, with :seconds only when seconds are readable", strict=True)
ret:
7:53
